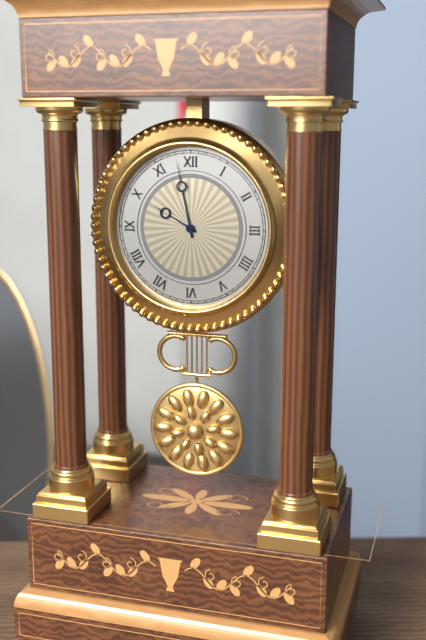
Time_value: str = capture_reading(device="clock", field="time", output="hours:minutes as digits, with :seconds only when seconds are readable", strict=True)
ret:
9:58
